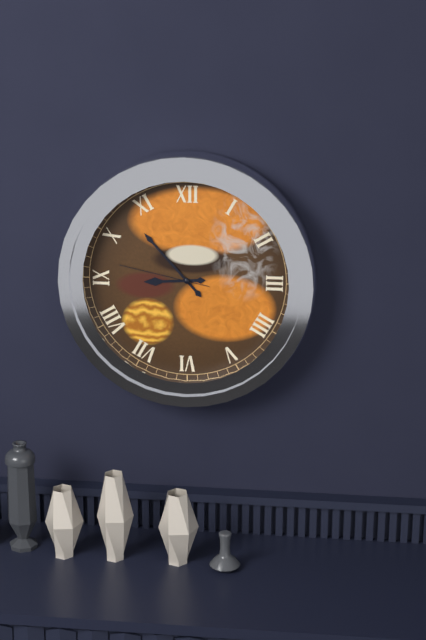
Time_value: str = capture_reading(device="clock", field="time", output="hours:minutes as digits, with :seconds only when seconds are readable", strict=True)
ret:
8:53:47
